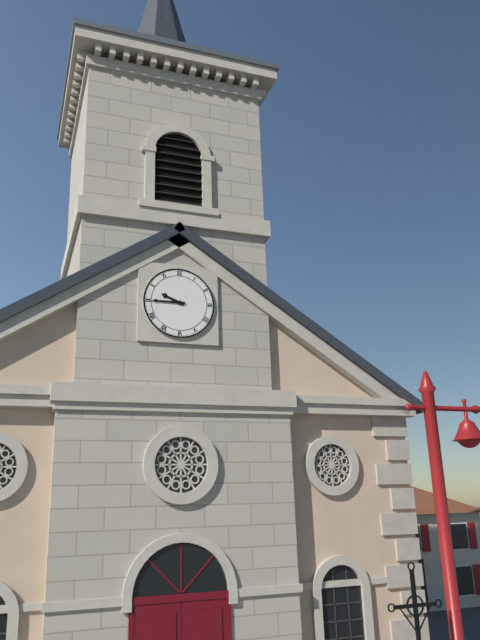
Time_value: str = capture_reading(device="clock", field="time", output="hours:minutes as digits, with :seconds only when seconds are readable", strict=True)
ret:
9:45
